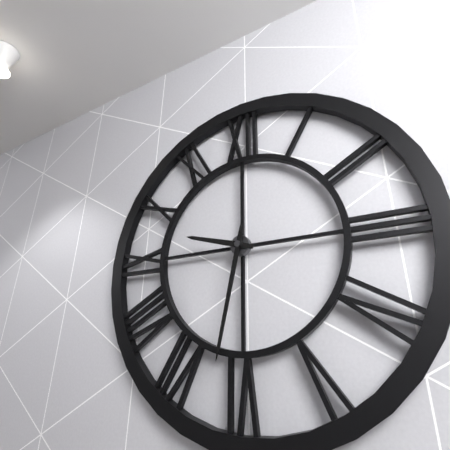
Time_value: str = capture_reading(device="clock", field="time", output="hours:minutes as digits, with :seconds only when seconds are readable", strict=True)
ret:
9:32
